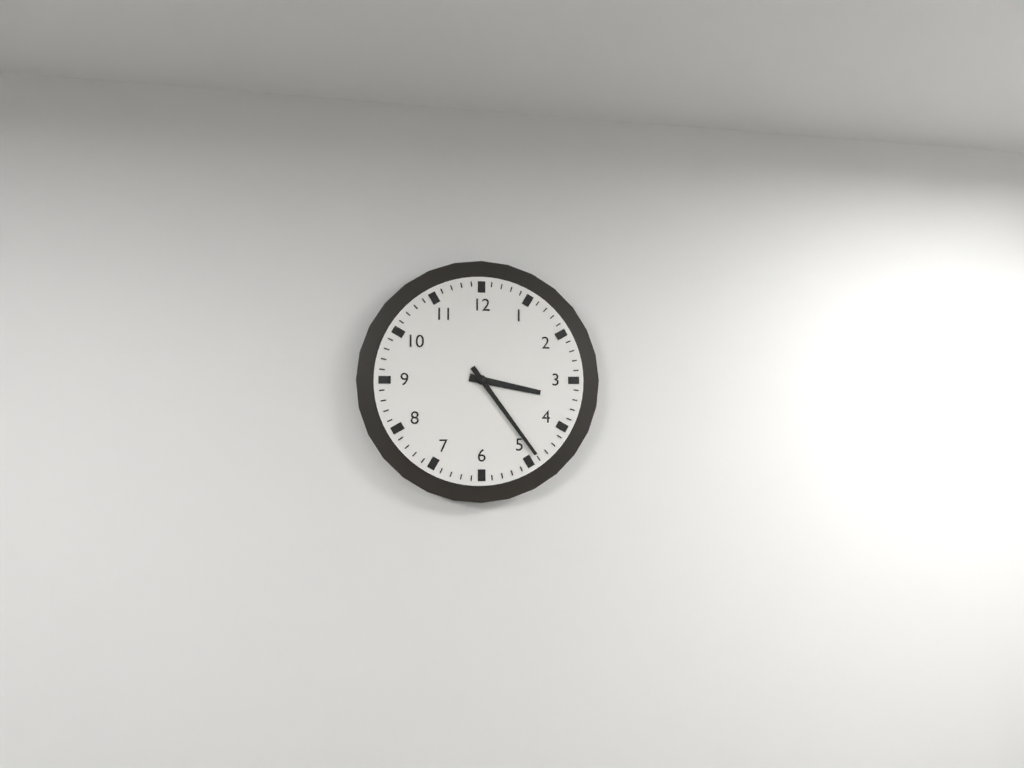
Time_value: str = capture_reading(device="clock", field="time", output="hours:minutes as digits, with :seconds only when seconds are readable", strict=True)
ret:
3:24
